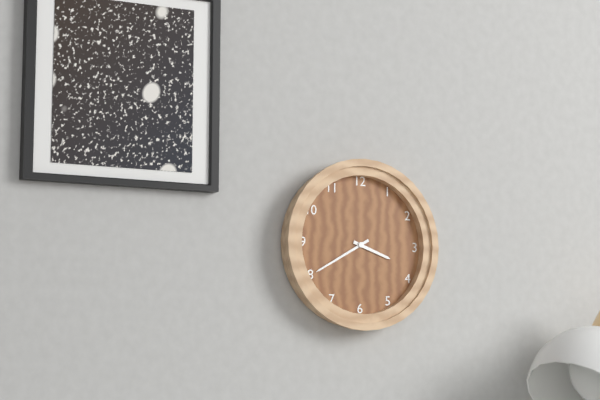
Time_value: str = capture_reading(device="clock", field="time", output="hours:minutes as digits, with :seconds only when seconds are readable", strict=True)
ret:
3:40
